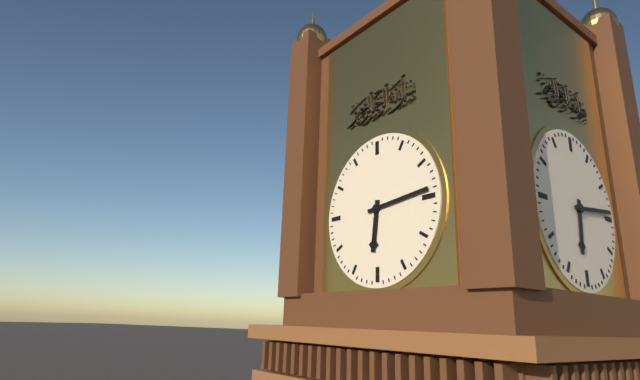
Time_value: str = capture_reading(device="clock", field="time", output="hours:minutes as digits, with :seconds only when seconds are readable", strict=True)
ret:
6:14
